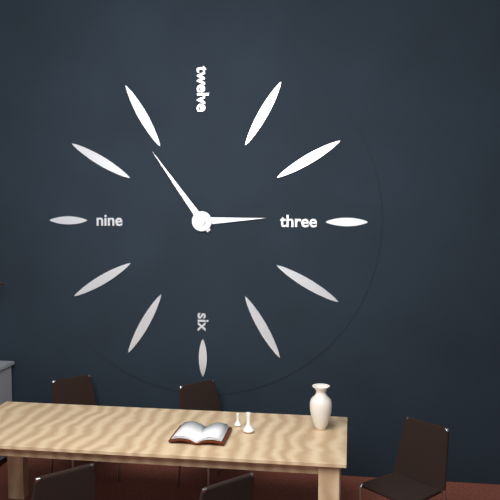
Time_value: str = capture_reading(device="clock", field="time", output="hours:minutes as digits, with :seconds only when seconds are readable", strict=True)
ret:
2:54
